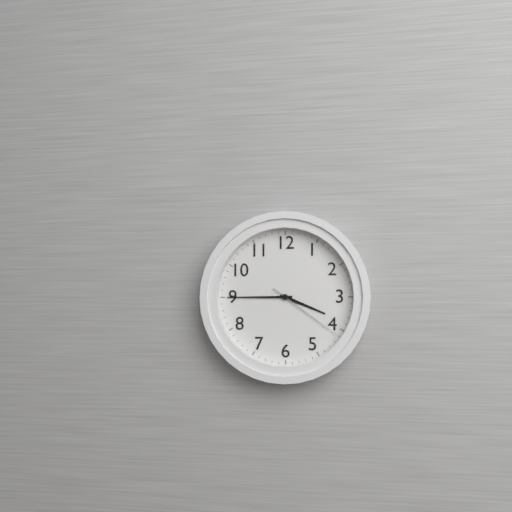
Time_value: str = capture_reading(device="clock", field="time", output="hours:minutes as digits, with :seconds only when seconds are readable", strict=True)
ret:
3:45:21
